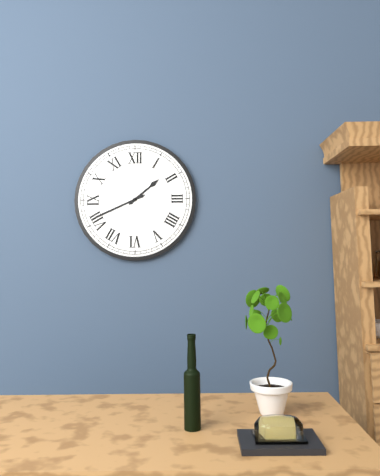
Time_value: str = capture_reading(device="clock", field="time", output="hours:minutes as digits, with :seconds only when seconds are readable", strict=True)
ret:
1:41
